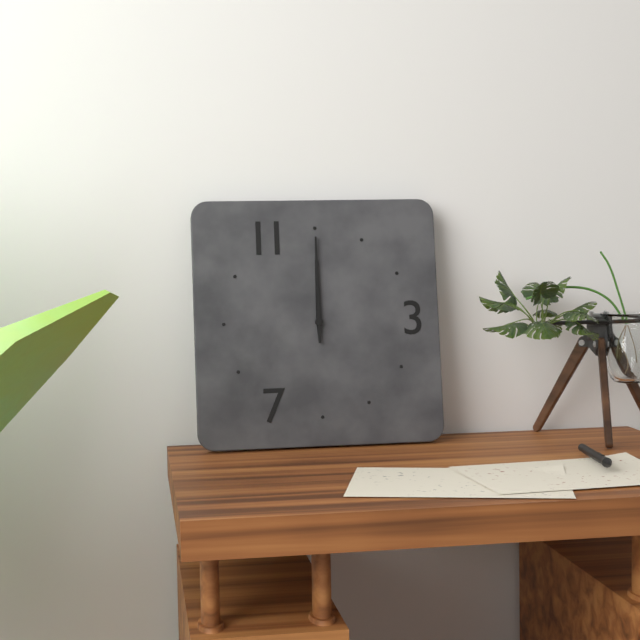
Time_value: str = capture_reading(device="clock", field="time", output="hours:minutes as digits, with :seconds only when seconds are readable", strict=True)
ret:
12:00
